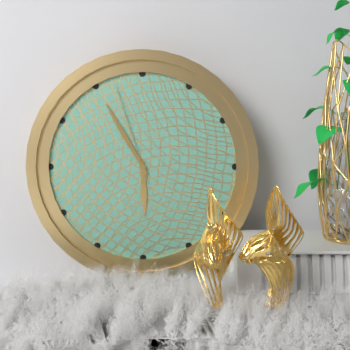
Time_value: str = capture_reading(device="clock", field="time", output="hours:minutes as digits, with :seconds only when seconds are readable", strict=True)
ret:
5:55:57
